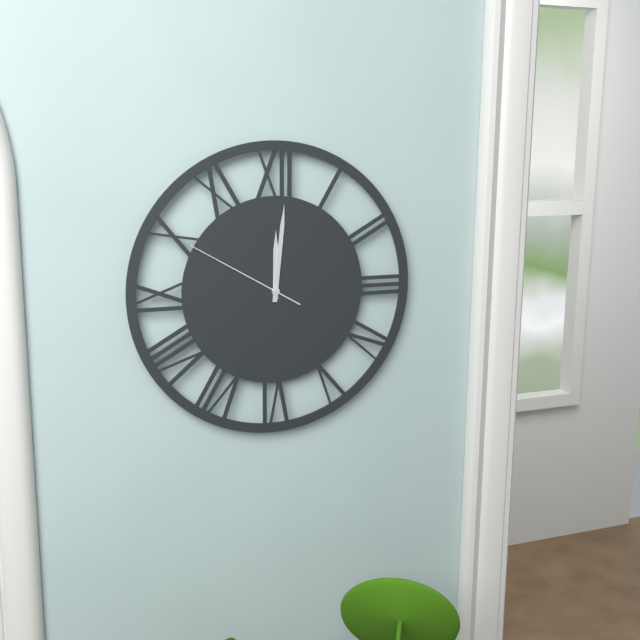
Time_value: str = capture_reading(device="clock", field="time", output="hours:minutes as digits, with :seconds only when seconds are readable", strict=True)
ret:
12:01:50
